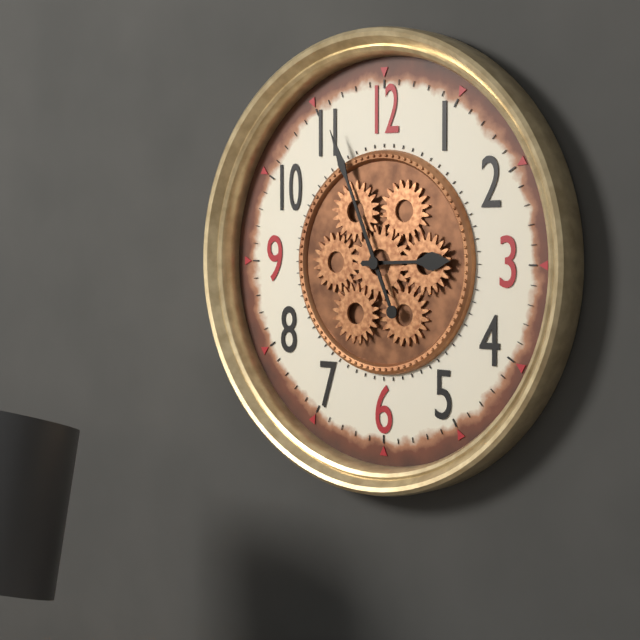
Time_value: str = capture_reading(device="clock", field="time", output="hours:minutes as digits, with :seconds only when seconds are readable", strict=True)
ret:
2:56
